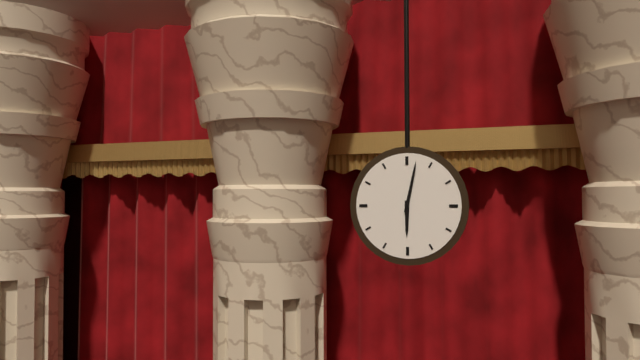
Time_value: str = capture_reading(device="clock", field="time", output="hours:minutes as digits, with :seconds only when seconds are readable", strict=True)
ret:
6:02
